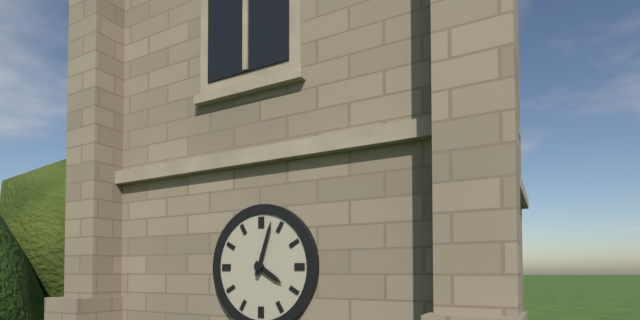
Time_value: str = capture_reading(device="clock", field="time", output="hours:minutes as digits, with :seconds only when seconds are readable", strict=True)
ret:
4:03
